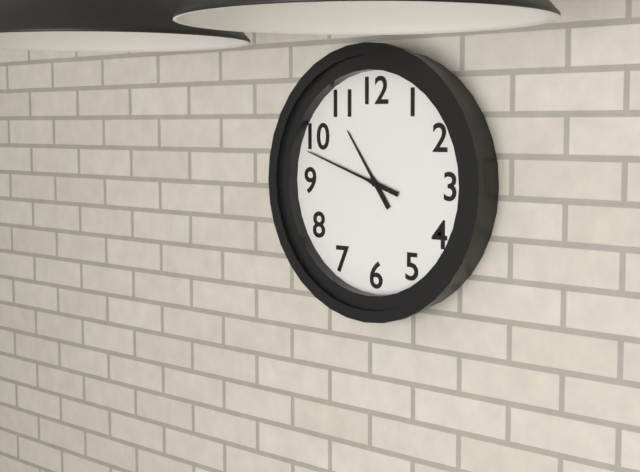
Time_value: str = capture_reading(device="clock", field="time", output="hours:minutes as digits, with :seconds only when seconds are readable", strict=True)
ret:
10:48
